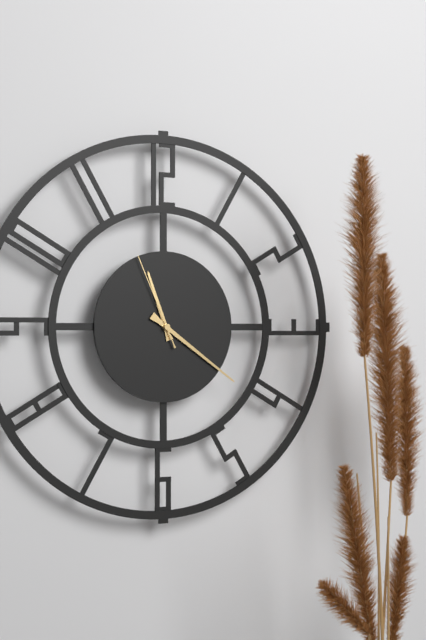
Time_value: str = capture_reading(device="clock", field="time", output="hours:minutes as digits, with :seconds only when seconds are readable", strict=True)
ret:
11:21:56
